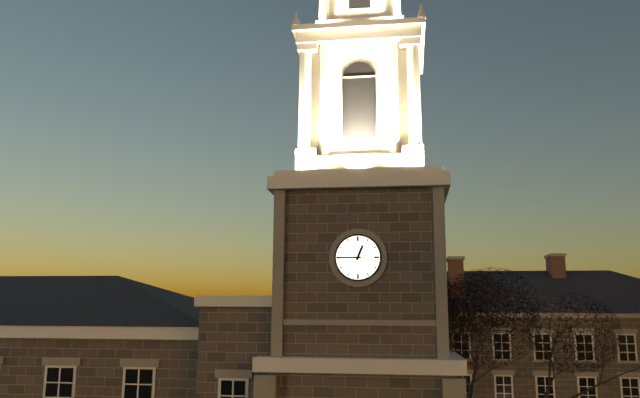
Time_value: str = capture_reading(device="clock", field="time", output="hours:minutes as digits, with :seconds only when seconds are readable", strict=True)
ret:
12:45
